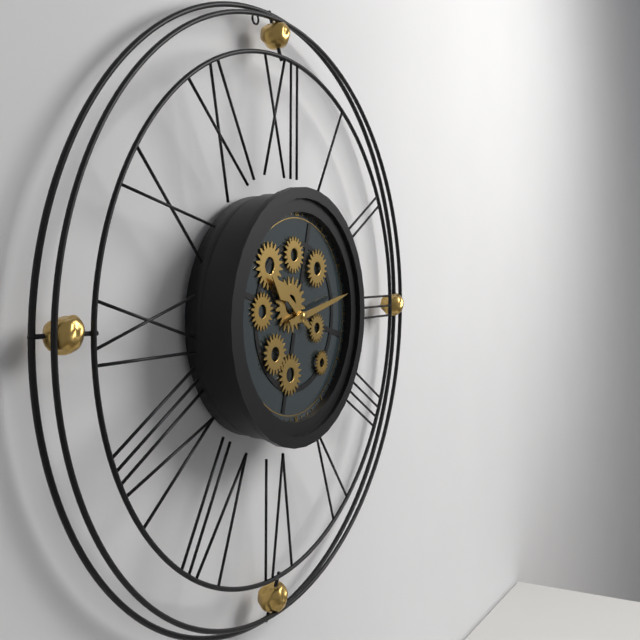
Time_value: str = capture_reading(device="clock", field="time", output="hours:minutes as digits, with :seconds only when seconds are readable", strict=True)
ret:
10:13
